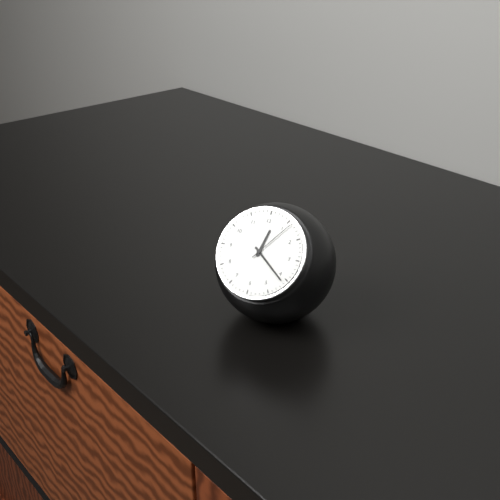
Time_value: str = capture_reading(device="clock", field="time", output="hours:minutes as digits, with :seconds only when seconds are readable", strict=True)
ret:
12:21:06
